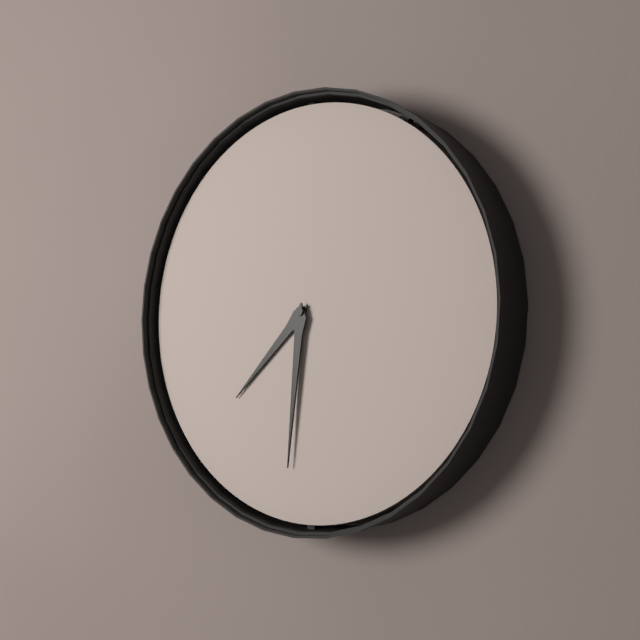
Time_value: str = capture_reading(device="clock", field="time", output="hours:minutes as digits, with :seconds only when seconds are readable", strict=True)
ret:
7:31
